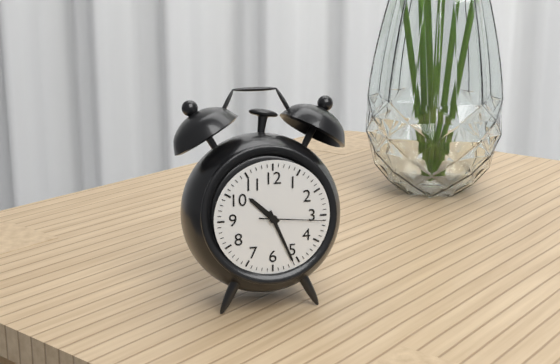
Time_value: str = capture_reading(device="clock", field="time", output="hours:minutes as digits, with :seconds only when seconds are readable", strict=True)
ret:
10:26:16
